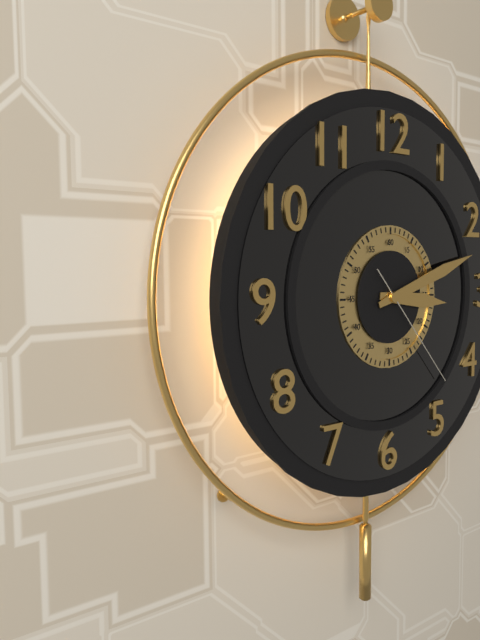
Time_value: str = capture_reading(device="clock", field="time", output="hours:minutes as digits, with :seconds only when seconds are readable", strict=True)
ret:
3:12:23
